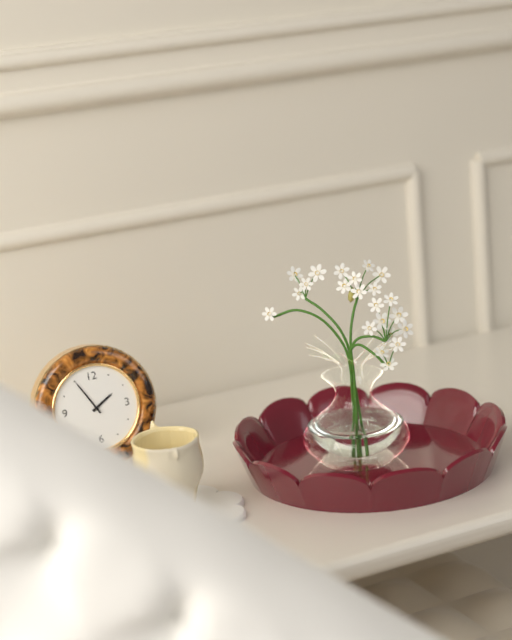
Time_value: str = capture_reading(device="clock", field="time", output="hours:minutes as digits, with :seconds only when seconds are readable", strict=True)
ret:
1:55
